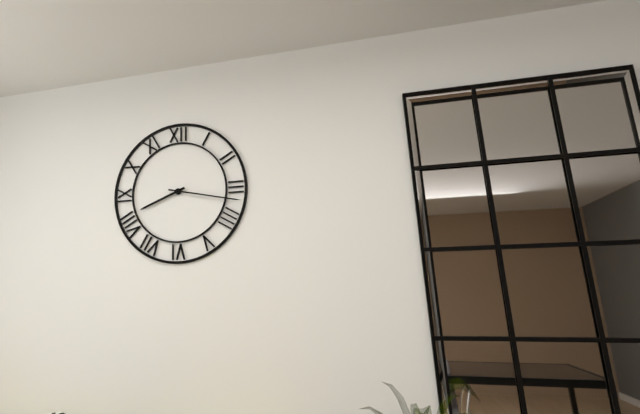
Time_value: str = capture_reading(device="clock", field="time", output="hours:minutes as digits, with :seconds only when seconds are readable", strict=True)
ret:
8:17
